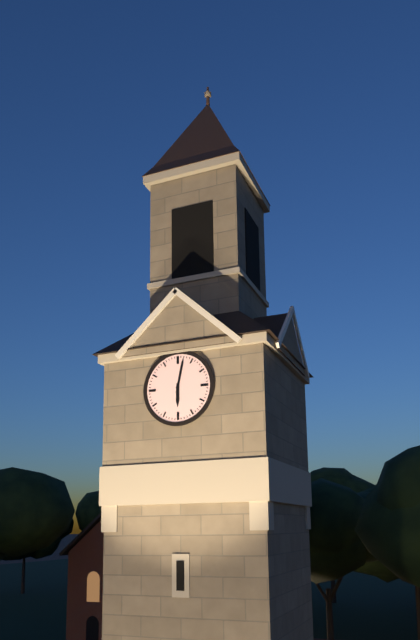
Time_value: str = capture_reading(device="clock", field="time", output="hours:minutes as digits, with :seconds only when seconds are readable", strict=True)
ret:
6:02
